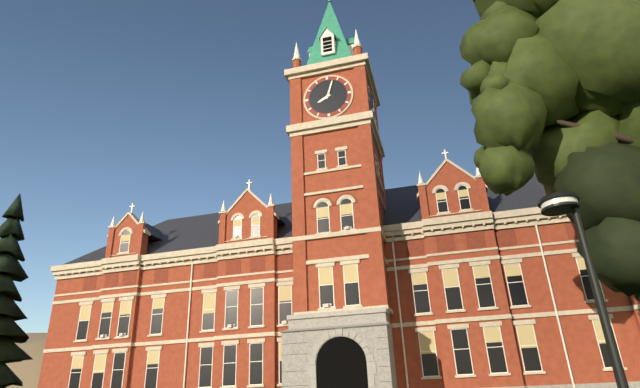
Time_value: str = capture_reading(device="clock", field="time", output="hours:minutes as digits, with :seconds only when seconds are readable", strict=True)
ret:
8:03
